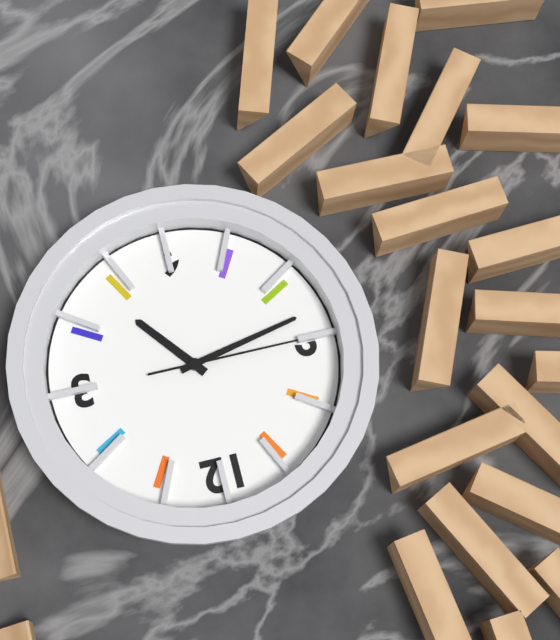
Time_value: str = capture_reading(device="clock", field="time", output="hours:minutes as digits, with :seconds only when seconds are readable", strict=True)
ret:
4:43:45
